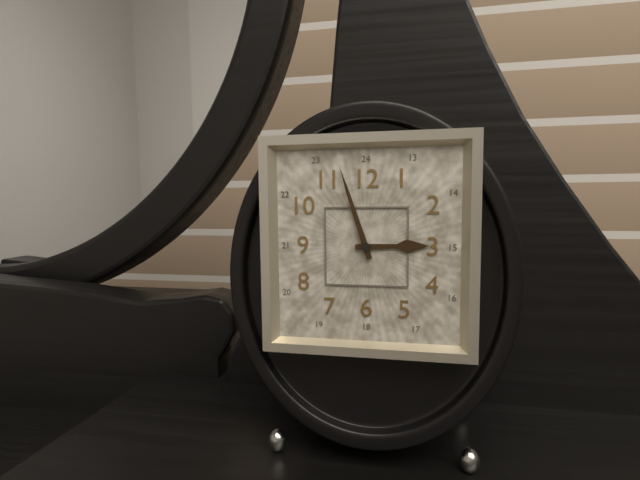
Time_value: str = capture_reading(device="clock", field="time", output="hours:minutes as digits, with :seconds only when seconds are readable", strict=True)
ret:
2:57
